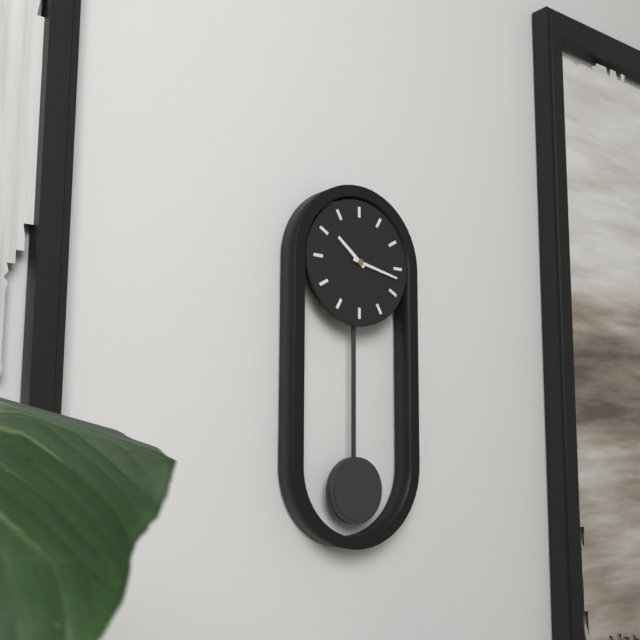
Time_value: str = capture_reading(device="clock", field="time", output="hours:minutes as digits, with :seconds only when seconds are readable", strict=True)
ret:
10:17
